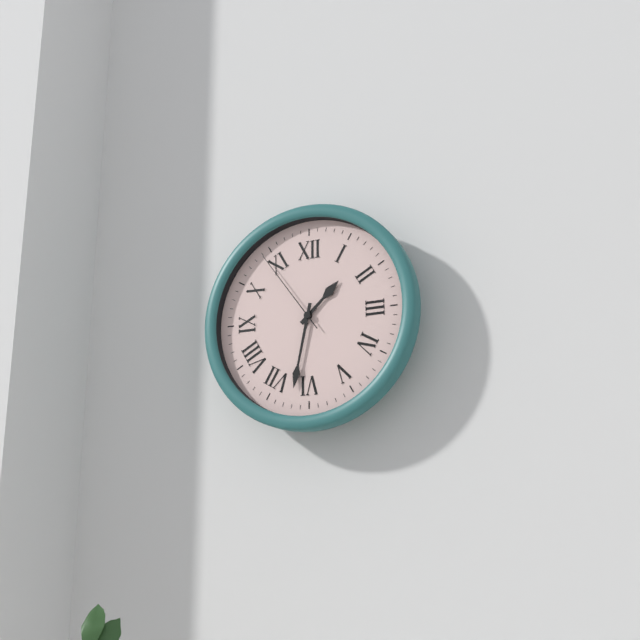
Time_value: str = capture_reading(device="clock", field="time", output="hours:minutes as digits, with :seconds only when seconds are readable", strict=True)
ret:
1:32:54
